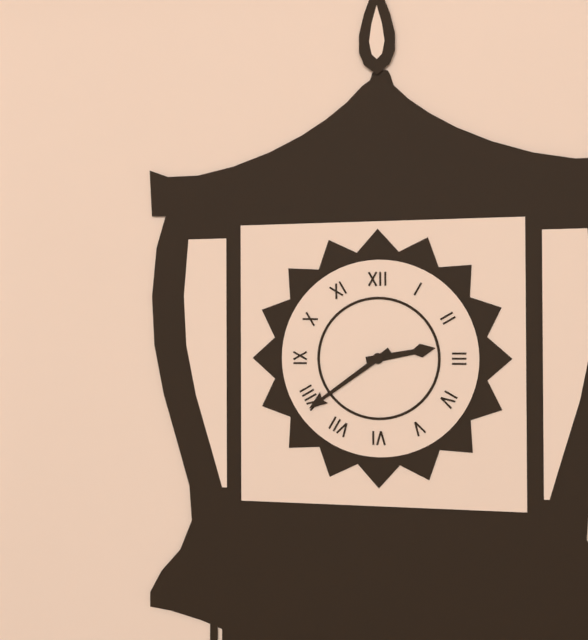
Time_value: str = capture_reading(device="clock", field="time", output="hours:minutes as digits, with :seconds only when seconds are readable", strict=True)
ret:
2:39
